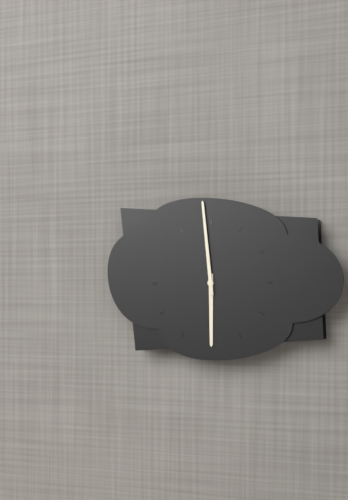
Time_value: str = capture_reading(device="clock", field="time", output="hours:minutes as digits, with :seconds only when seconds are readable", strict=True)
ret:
5:59
